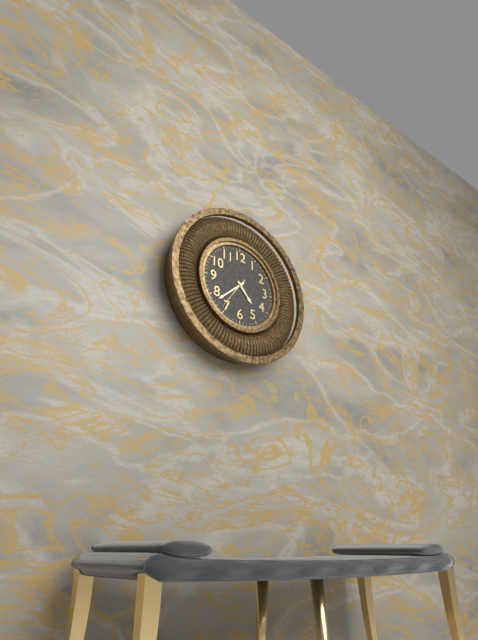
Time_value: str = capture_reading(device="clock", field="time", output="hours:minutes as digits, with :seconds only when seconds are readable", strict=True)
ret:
4:38
